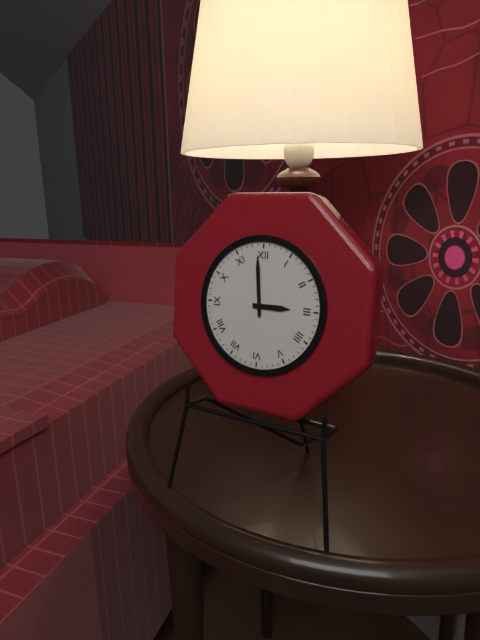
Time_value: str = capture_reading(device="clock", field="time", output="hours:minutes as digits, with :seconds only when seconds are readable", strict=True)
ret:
2:59
